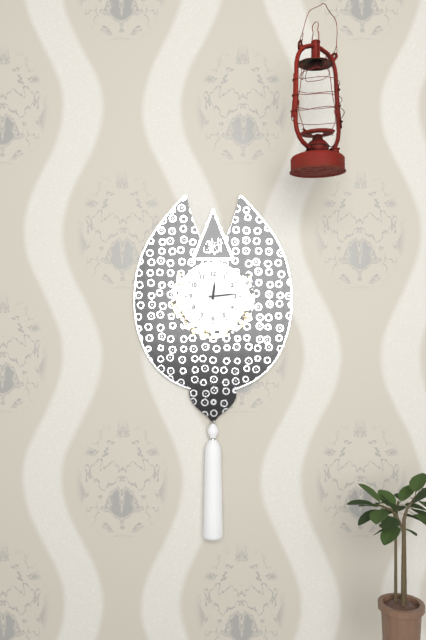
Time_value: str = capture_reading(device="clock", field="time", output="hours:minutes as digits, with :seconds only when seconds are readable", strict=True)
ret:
12:14
